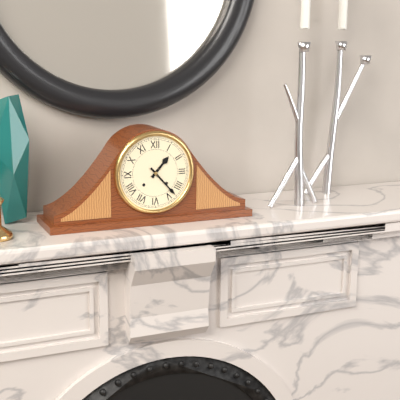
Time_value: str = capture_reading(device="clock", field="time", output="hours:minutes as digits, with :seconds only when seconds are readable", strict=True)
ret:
1:23
